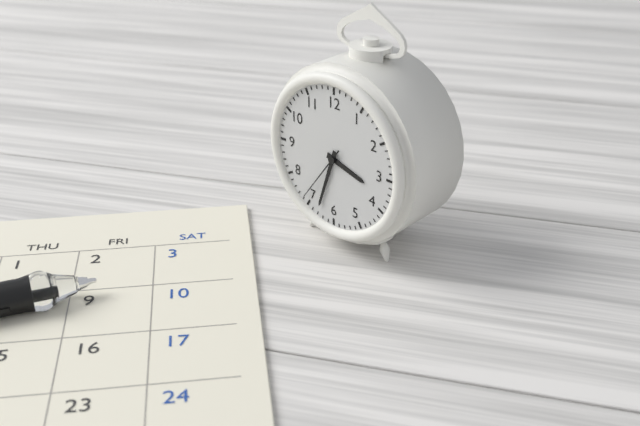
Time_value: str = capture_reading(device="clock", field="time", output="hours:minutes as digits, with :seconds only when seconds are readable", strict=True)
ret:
3:33:36
